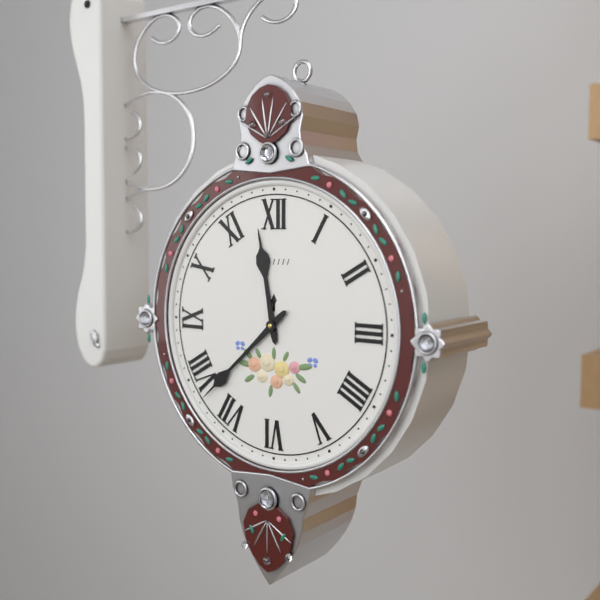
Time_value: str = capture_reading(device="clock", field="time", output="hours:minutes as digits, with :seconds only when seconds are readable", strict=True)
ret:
11:38
